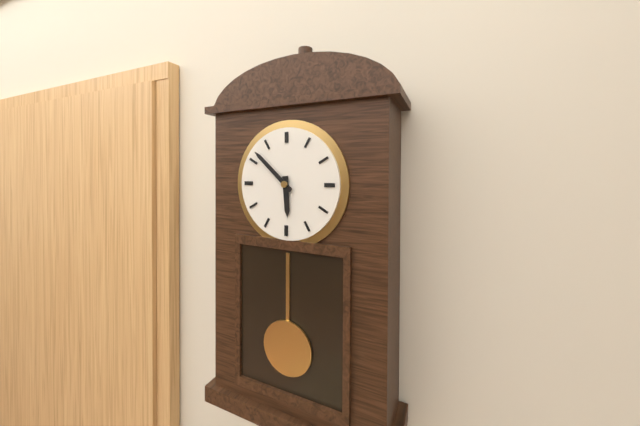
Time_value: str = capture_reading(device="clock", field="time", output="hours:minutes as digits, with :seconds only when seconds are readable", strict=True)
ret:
5:52
